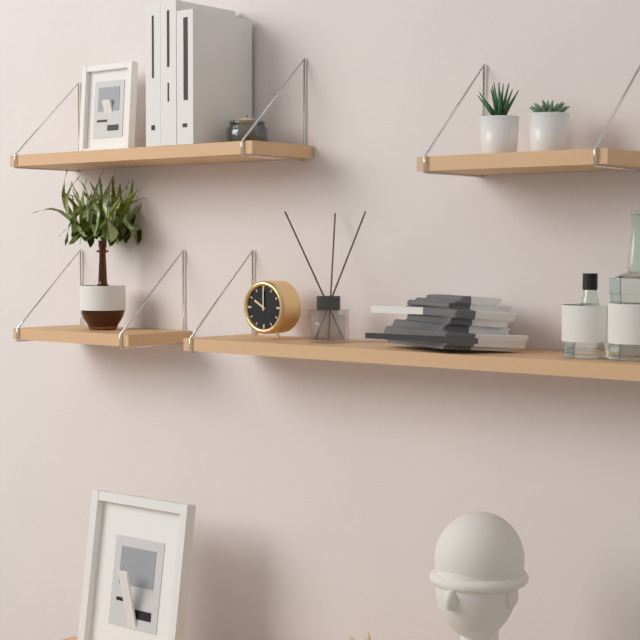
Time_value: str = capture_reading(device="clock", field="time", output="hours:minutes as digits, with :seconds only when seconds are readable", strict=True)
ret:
10:00
